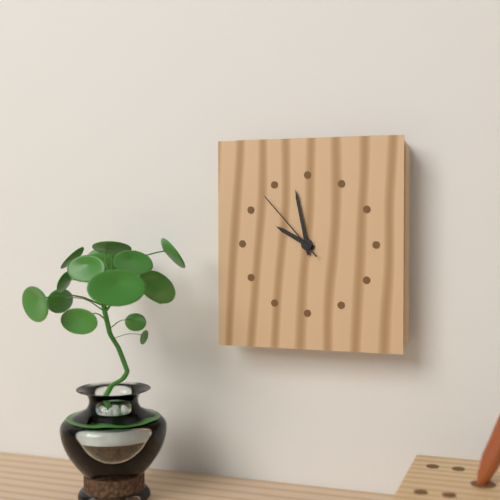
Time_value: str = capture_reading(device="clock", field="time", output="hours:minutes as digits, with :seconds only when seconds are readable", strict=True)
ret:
9:58:53
